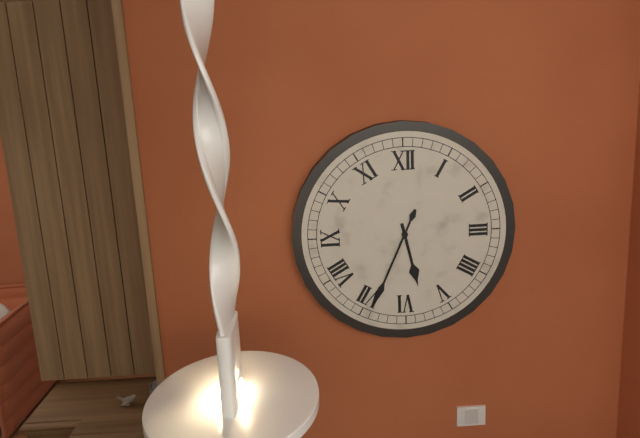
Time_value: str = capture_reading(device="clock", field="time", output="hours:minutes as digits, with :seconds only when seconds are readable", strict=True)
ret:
5:34
